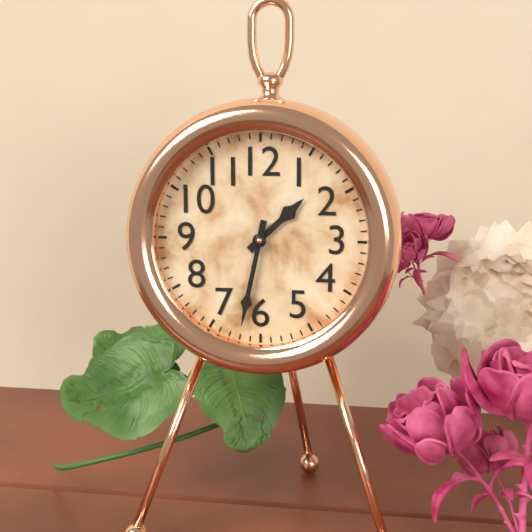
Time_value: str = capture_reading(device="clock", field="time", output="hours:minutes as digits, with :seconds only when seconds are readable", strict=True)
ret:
1:32
